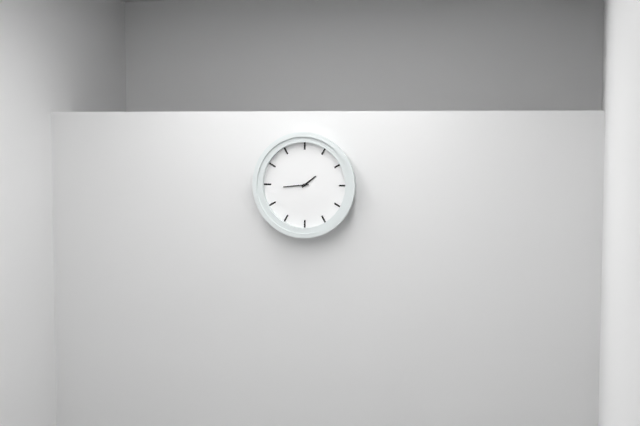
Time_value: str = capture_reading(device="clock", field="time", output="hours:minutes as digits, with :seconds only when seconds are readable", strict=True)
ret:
1:44
